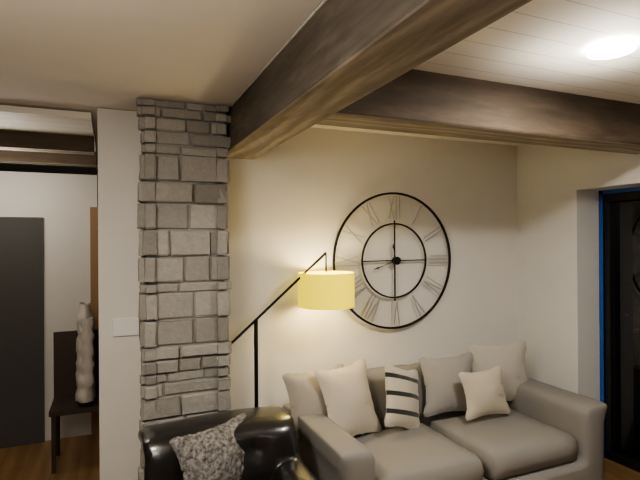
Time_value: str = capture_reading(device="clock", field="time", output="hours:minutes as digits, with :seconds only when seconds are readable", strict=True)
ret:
11:42
